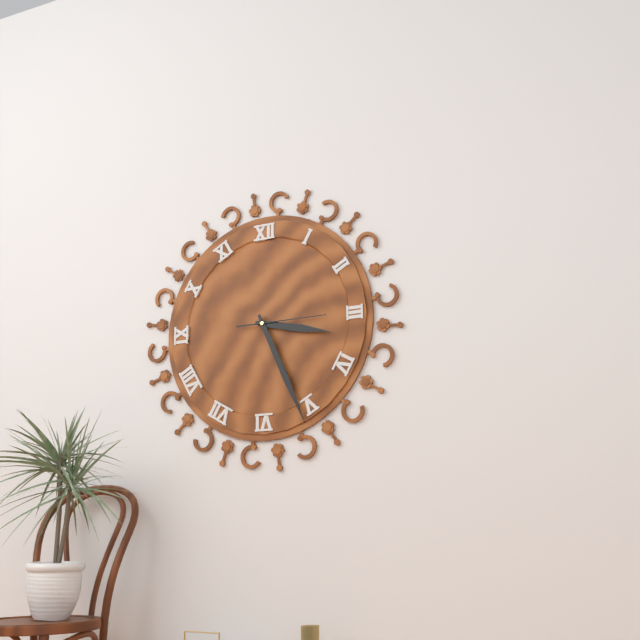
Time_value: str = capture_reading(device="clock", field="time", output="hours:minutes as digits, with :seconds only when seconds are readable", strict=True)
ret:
3:26:15
